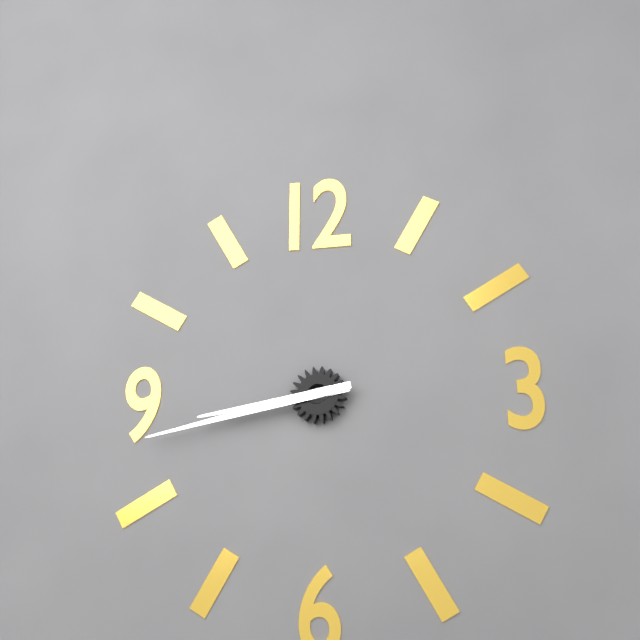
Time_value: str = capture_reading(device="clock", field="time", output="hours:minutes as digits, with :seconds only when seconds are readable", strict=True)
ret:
8:43
